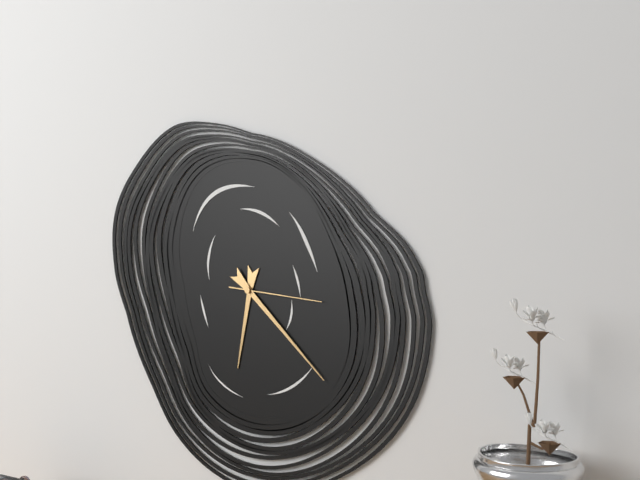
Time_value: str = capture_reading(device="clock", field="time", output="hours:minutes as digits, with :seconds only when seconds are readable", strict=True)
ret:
6:22:16
